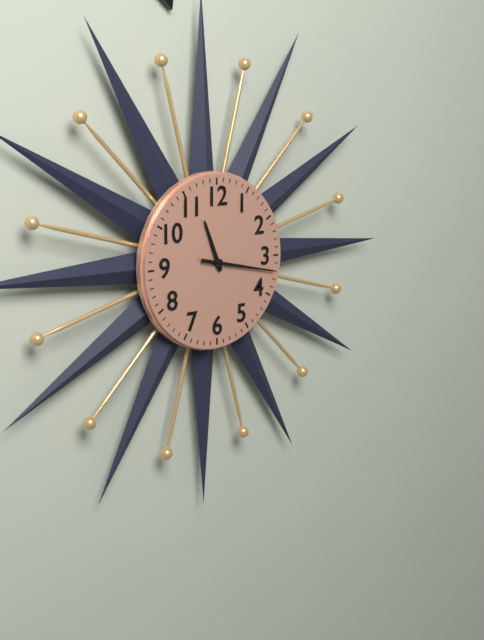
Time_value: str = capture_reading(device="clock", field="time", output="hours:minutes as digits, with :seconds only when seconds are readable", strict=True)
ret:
11:17
